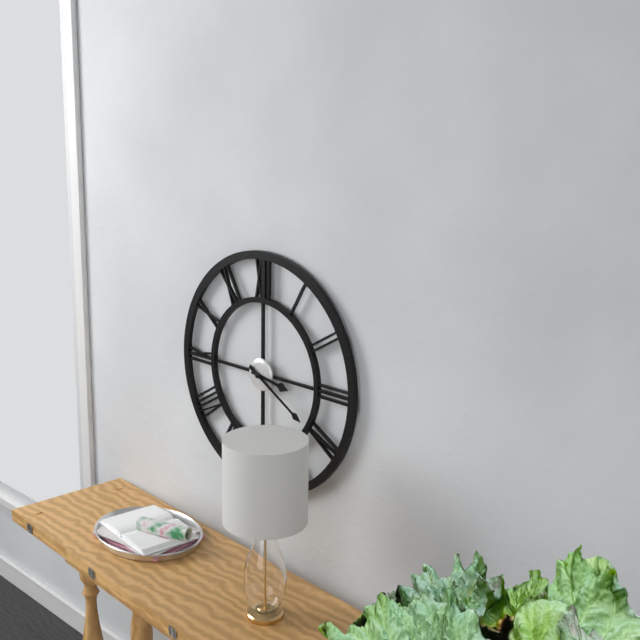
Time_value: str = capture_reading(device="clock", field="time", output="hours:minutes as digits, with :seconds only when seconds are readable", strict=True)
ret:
3:20
